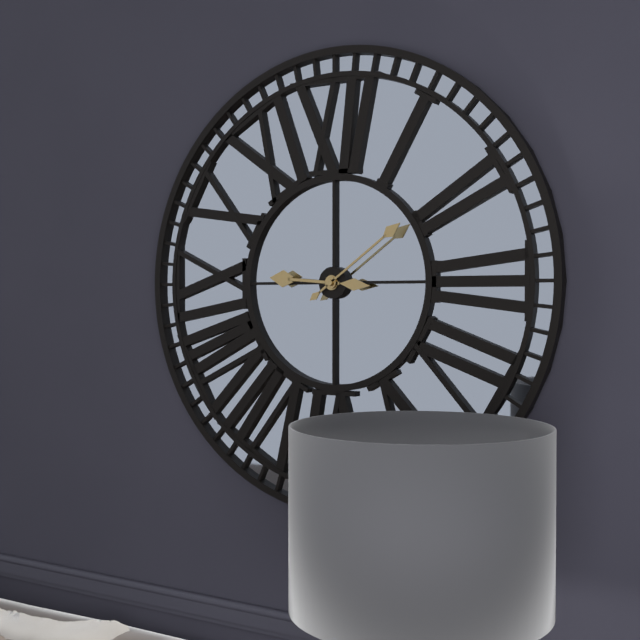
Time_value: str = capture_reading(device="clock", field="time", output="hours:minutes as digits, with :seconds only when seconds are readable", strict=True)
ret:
9:09
